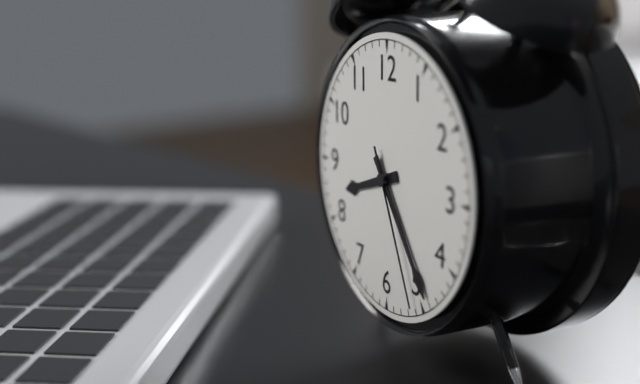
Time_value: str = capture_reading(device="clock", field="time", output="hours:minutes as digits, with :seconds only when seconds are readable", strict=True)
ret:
8:24:26
